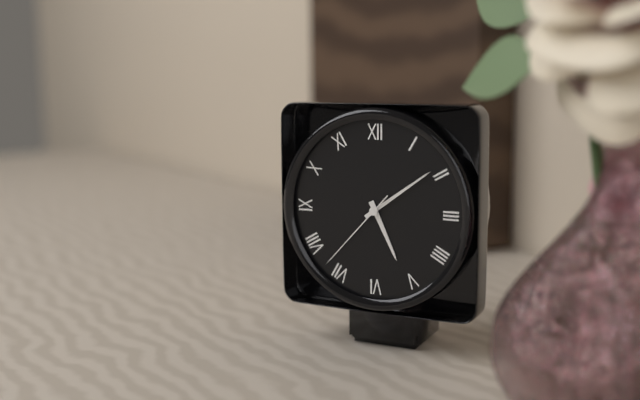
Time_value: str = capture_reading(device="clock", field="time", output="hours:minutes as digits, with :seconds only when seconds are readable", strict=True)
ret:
5:09:37
